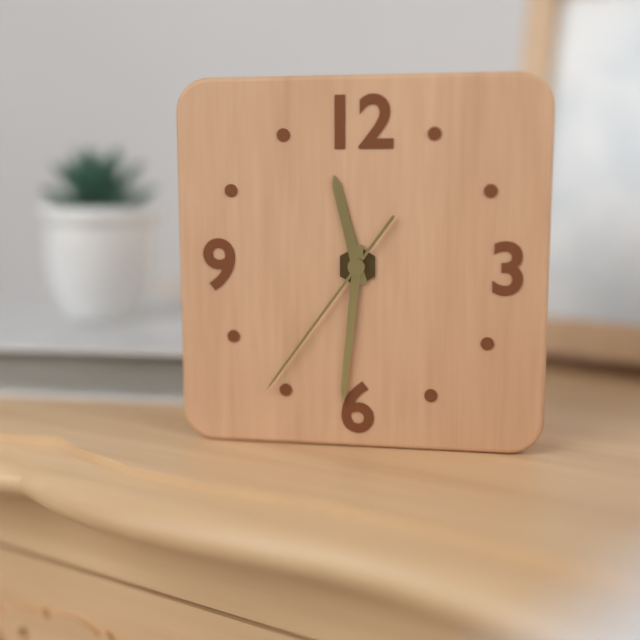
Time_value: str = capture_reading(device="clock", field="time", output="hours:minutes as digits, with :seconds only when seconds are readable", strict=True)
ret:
11:31:36
